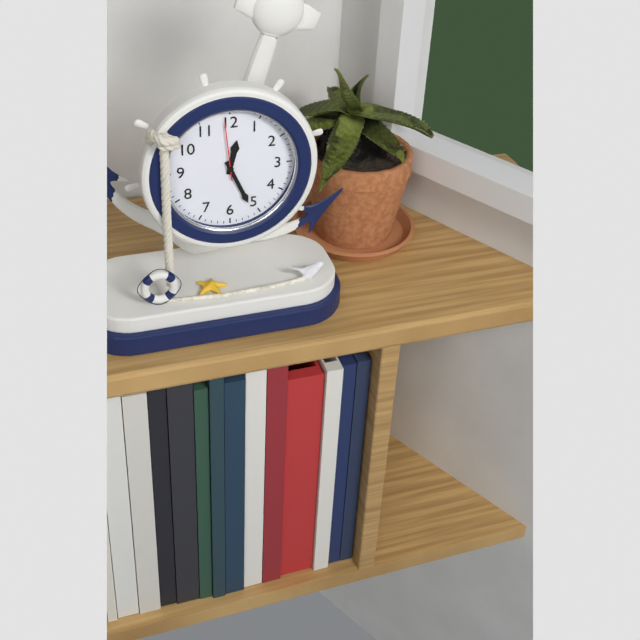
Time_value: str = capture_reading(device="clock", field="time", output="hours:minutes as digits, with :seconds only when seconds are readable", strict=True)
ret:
12:26:59
